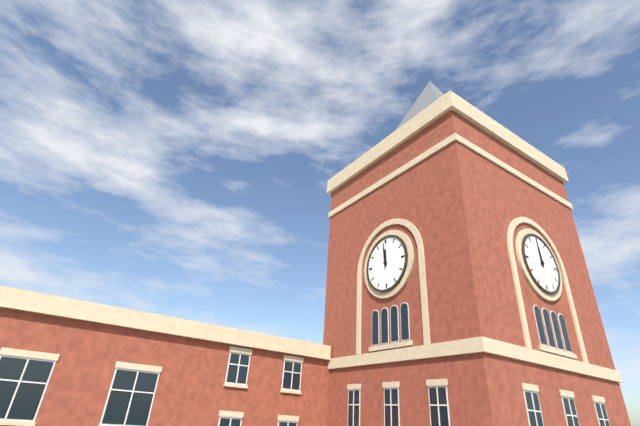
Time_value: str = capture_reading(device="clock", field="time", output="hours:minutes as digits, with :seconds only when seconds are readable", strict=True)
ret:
11:59
